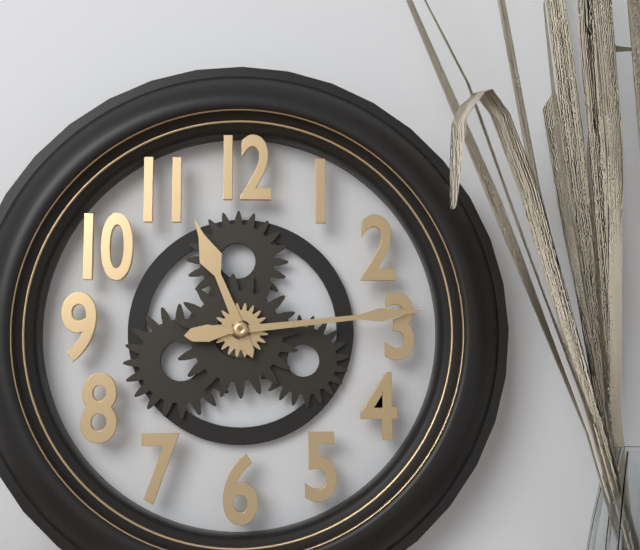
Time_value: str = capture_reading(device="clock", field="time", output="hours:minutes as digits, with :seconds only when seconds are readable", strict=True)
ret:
11:14
